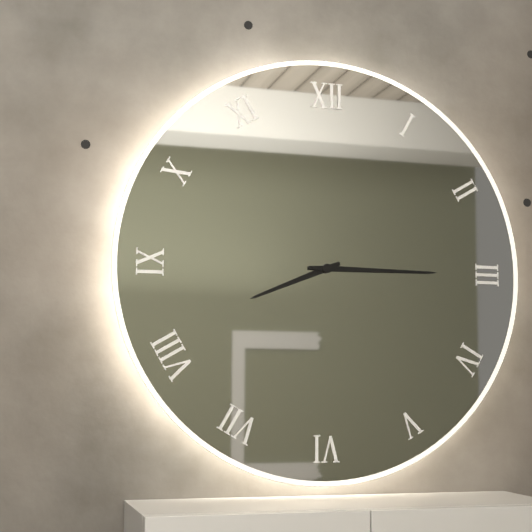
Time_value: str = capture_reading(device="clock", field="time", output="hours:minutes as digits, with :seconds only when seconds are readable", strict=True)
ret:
8:15
